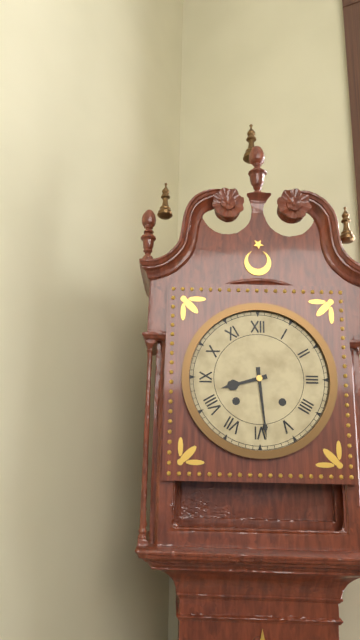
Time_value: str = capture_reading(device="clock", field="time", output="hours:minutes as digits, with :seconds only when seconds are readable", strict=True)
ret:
8:29
